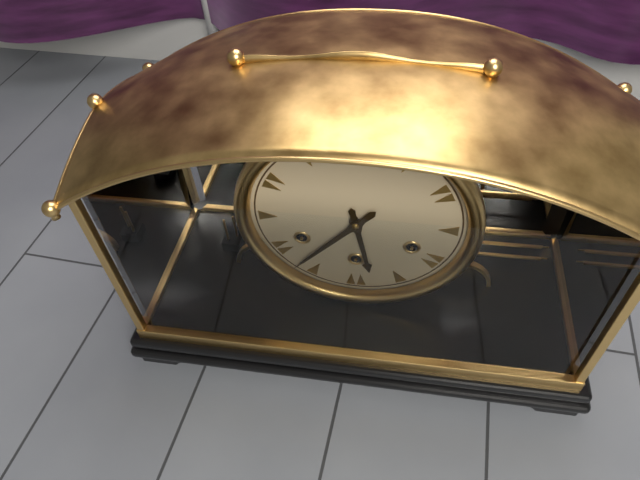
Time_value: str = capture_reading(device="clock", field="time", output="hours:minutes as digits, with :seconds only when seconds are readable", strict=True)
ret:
5:37
